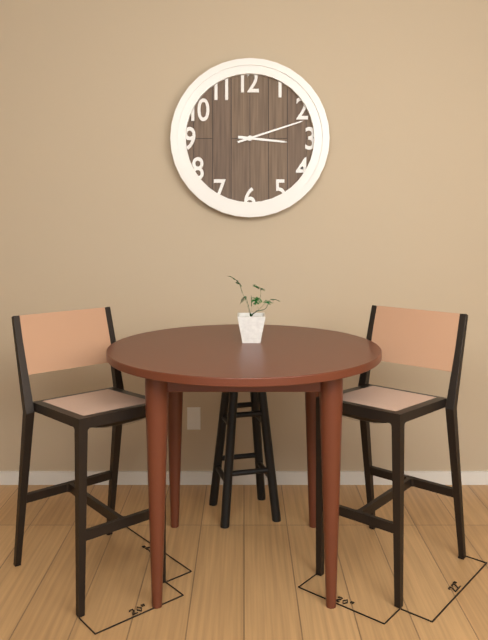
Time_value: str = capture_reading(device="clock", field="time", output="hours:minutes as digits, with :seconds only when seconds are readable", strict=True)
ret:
3:12
